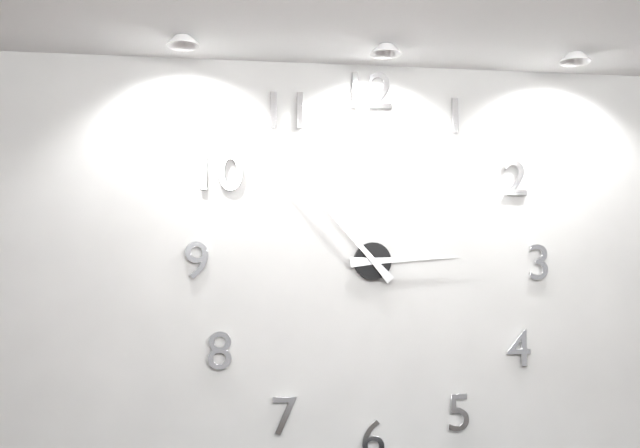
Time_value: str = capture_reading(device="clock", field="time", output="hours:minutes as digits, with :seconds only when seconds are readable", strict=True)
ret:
2:53
